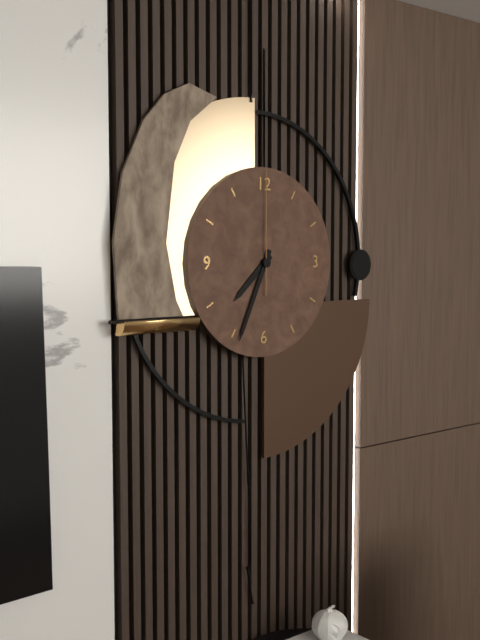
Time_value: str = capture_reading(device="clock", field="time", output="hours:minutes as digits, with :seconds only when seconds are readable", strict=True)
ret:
7:34:00
